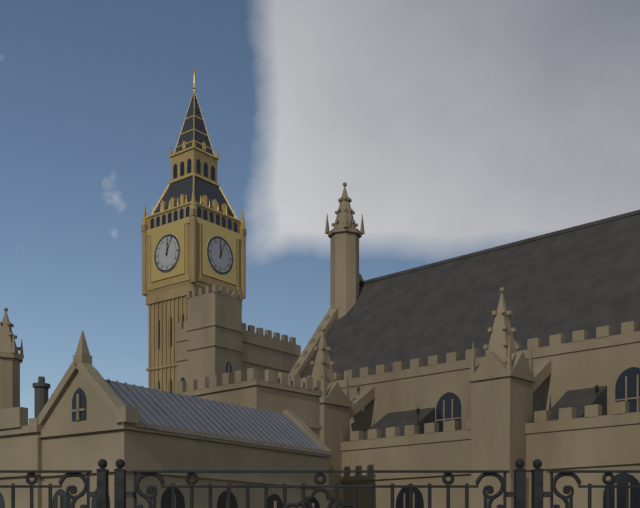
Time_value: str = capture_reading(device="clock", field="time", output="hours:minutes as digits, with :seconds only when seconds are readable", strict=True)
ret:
12:04
